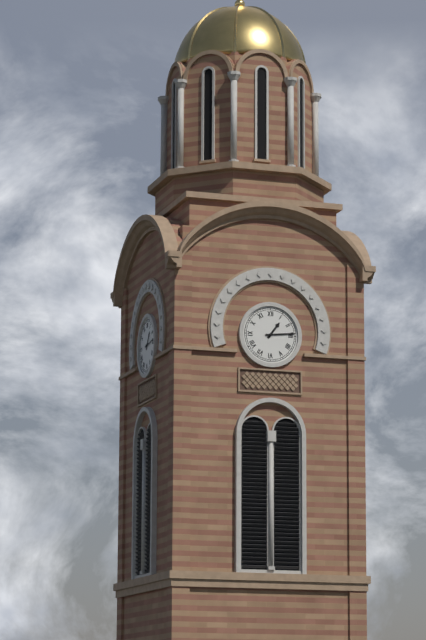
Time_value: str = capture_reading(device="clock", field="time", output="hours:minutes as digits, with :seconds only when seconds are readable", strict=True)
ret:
1:14
